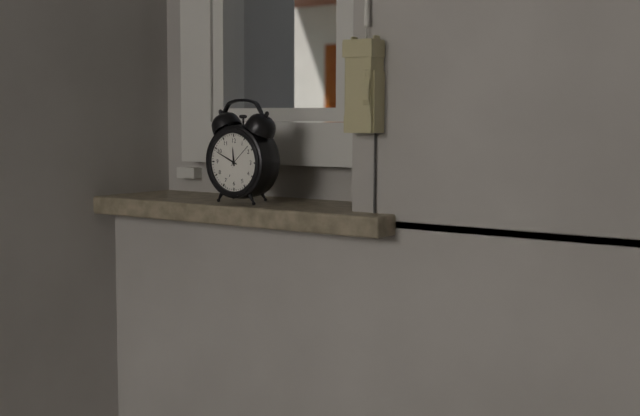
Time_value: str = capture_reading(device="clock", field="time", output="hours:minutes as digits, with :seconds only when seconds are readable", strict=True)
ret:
11:49
